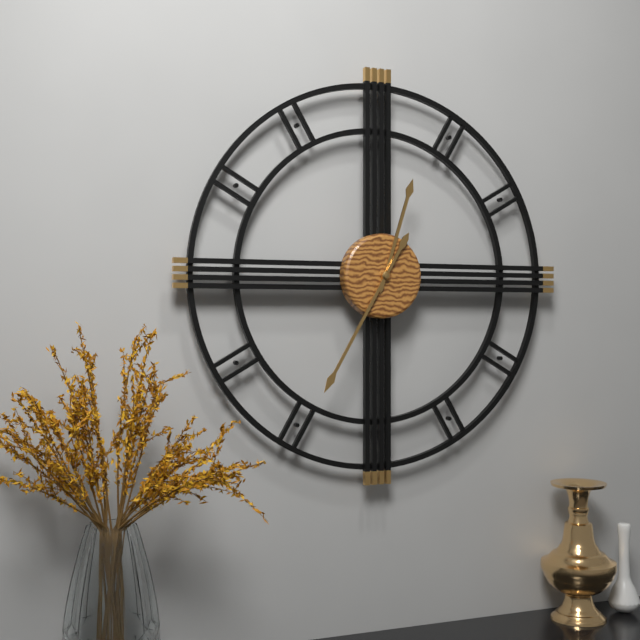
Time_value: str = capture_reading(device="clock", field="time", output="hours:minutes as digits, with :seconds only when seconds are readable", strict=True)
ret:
12:35
